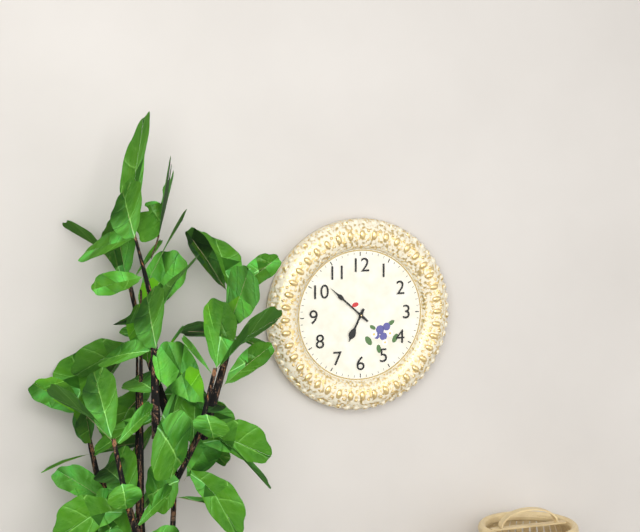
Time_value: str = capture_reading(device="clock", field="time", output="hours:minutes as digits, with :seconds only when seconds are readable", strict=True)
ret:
6:52
